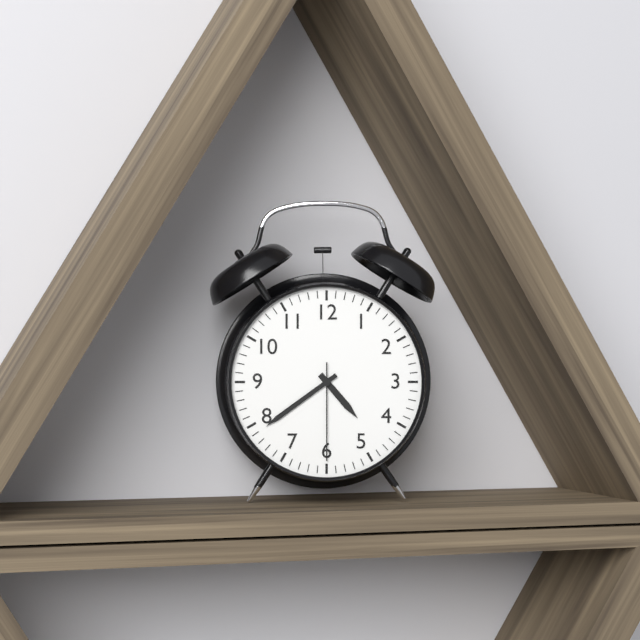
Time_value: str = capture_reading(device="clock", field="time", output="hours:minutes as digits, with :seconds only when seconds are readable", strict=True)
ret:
4:39:30
